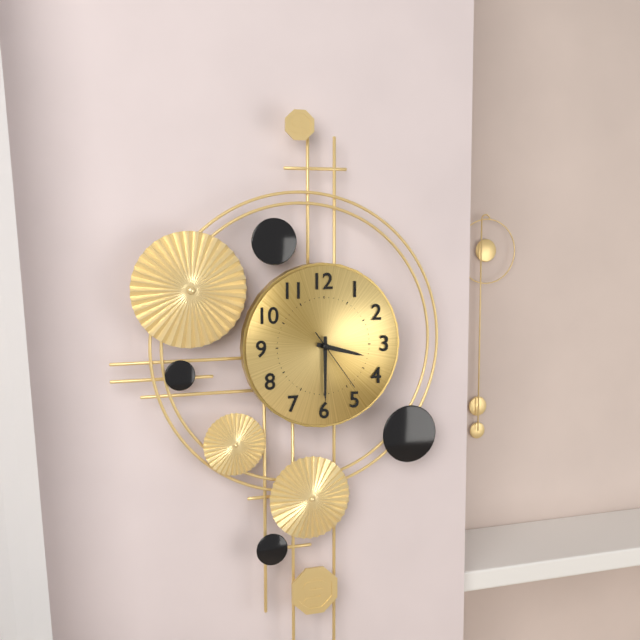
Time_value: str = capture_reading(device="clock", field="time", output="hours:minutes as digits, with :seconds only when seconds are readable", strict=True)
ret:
3:30:24
